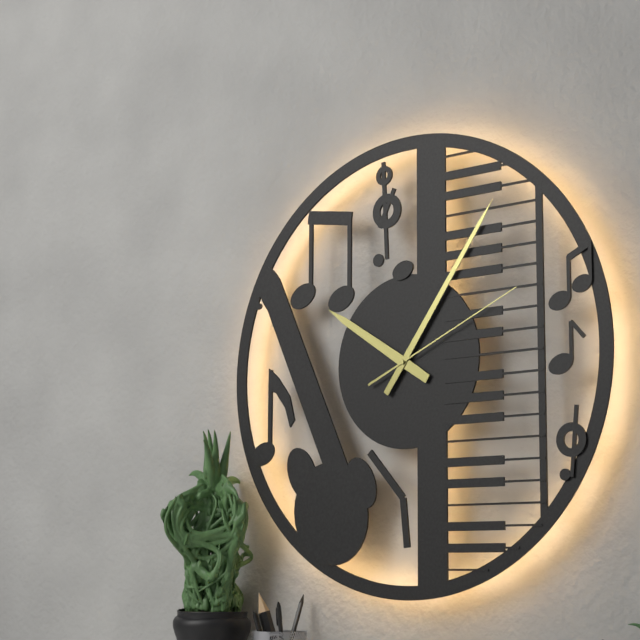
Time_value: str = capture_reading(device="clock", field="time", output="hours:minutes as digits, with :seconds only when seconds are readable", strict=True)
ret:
10:06:11
